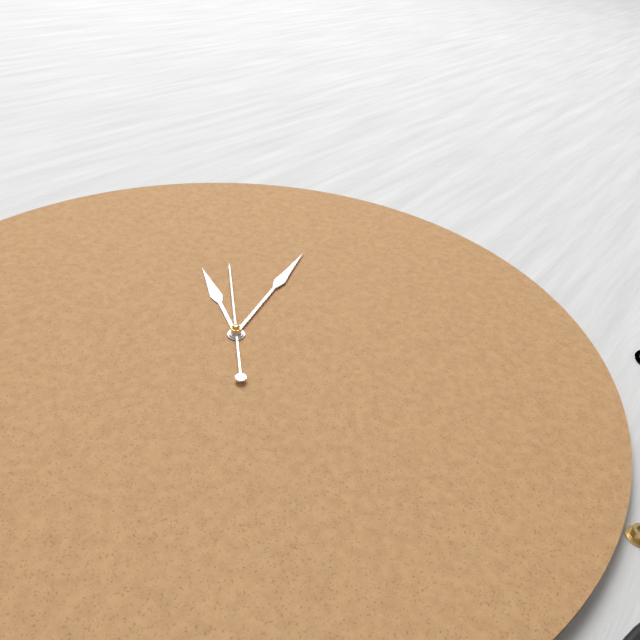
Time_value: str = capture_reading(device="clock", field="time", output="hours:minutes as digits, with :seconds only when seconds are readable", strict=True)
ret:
9:57:52
